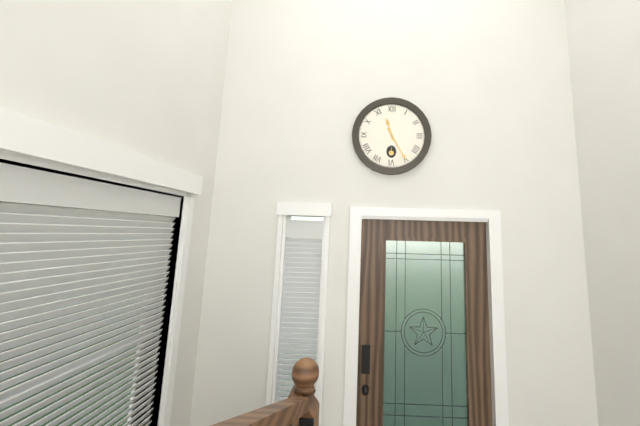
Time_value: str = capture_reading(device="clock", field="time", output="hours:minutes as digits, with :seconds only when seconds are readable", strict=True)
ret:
11:25
